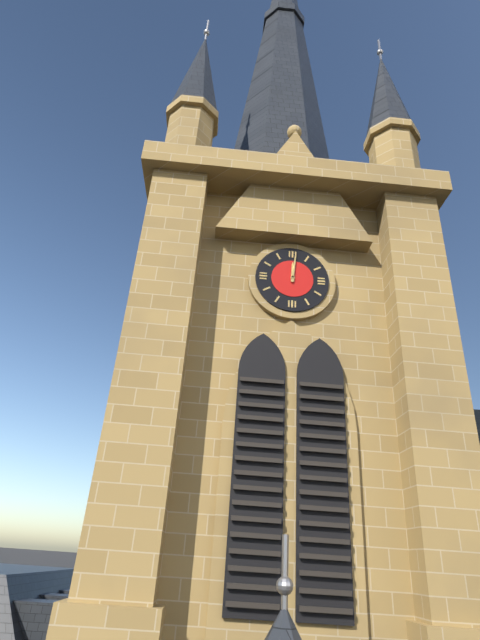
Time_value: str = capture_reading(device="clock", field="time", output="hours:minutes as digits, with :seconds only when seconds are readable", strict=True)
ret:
12:01
